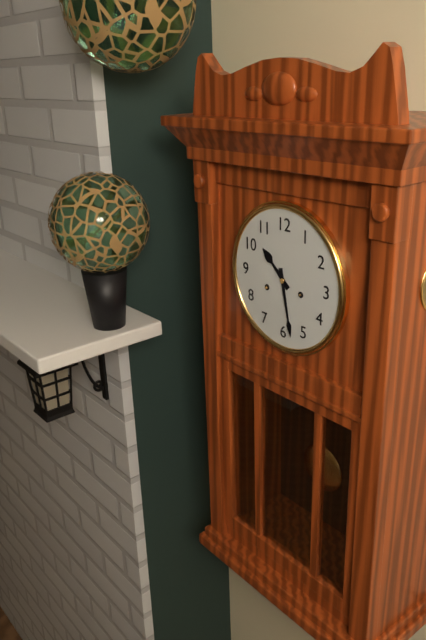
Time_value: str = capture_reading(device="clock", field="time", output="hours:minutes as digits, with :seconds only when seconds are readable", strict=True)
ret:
10:28
